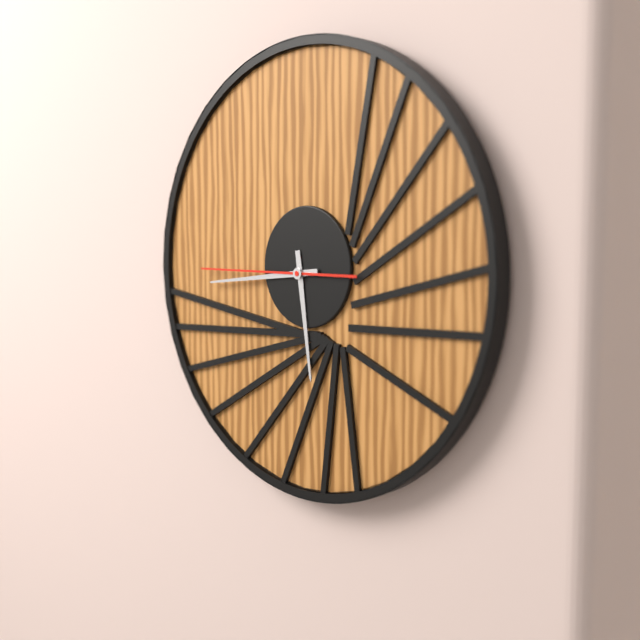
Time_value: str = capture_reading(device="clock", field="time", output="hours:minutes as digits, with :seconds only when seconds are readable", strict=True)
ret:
5:44:45
